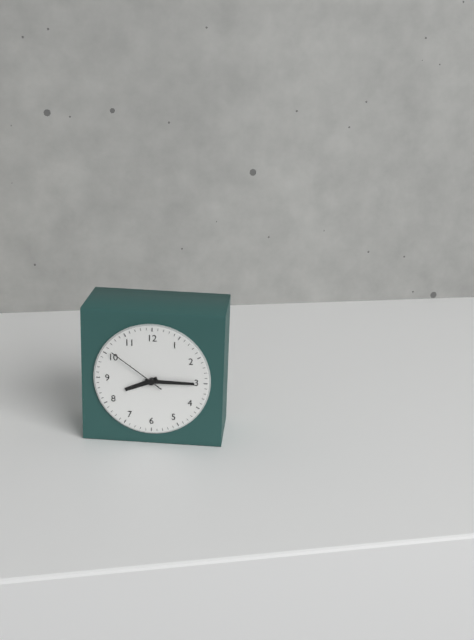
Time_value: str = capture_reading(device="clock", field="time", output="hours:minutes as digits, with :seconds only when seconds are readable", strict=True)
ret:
8:15:51
